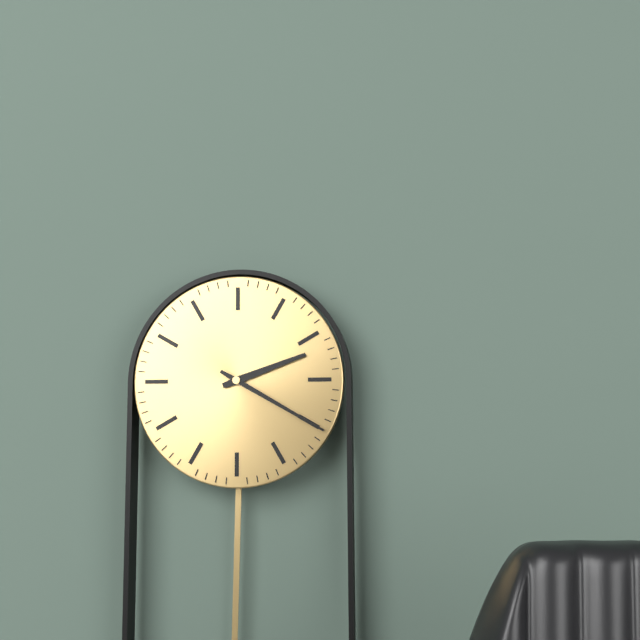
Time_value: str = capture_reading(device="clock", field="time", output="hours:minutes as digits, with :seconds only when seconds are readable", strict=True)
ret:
2:20
